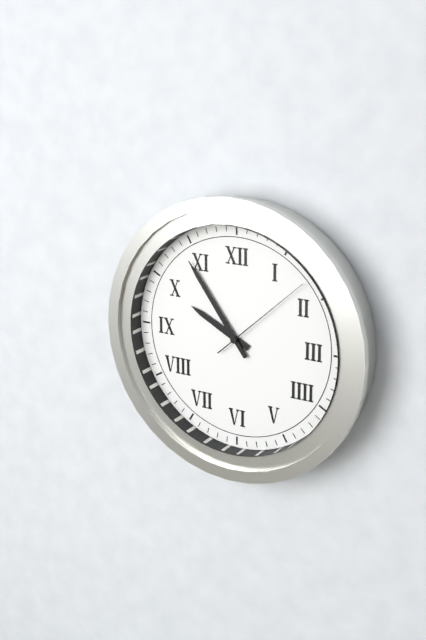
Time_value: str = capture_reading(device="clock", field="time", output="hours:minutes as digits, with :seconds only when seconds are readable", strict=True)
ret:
9:54:08
